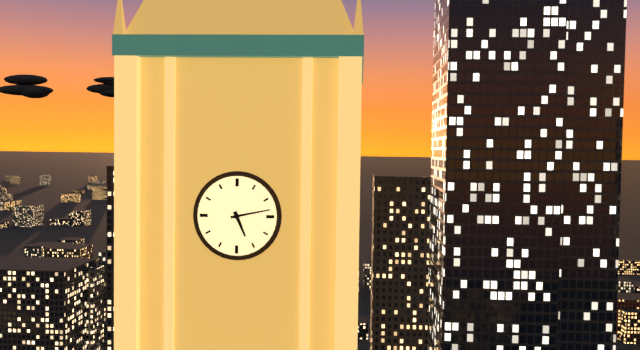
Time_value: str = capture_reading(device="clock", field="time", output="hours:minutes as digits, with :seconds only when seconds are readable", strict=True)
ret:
5:13
